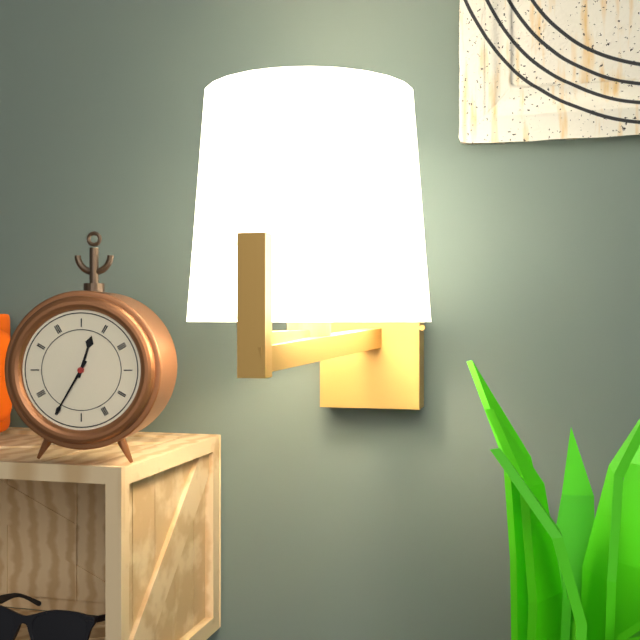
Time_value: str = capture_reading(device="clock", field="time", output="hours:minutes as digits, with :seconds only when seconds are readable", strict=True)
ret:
12:35
